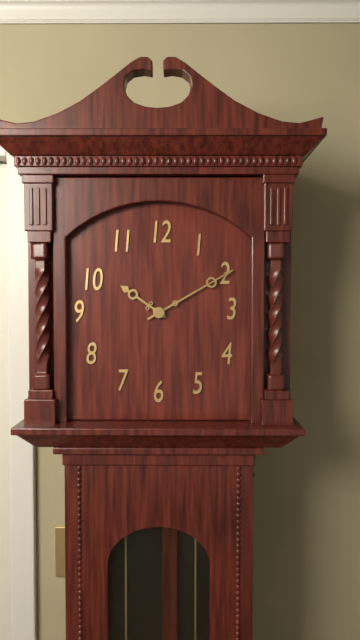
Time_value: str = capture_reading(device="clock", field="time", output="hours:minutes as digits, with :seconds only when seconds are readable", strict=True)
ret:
10:10
